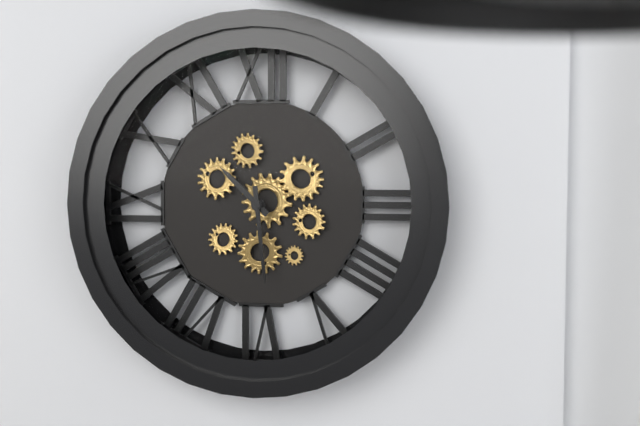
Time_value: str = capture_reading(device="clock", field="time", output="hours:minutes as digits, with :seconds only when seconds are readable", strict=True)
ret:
10:29
